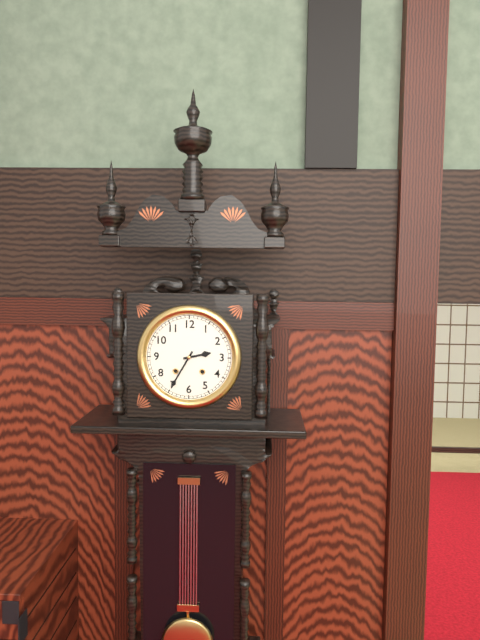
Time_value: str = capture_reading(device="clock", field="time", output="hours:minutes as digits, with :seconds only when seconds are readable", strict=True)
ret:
2:35
